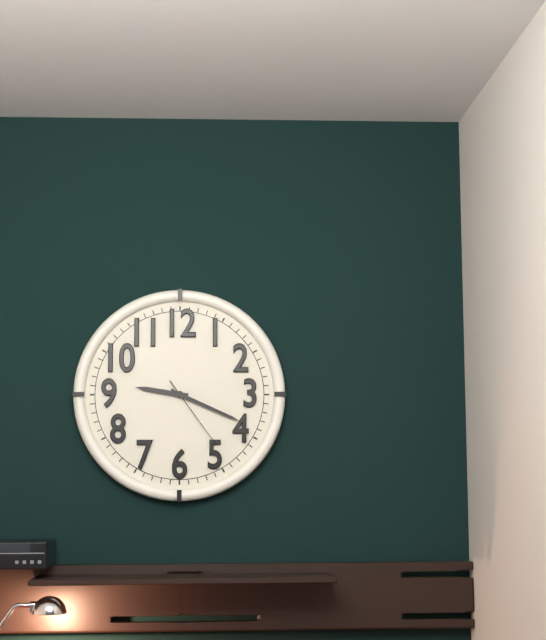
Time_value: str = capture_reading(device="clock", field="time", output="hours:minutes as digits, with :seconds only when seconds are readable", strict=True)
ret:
9:19:24
